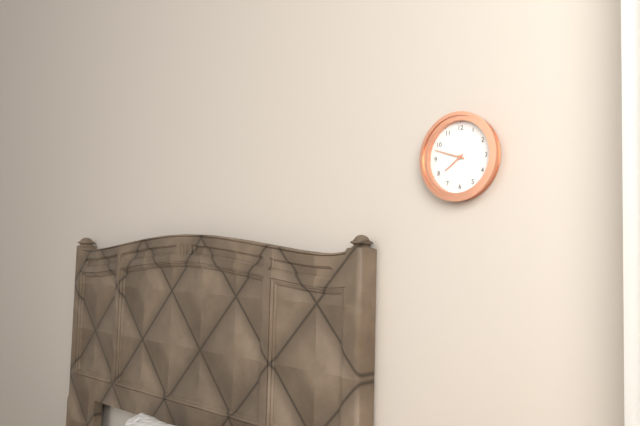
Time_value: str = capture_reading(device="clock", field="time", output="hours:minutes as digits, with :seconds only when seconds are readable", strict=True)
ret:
7:48
